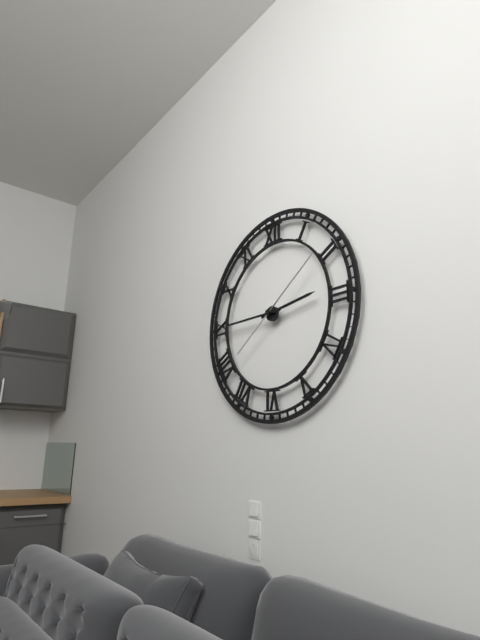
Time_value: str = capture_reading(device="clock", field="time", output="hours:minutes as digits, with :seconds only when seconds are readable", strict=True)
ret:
2:45:09
